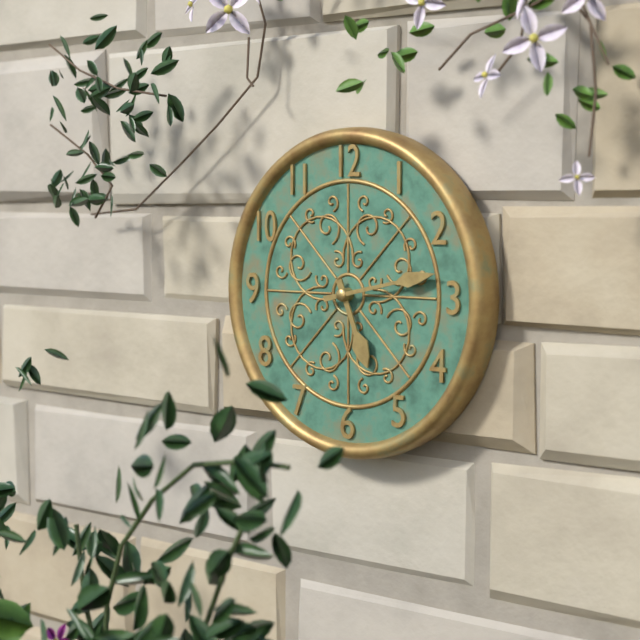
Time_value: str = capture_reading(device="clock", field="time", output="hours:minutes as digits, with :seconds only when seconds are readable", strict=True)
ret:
5:13
